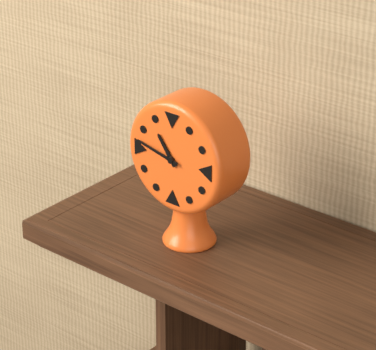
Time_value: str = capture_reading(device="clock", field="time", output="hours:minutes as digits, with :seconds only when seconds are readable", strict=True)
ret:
10:47
